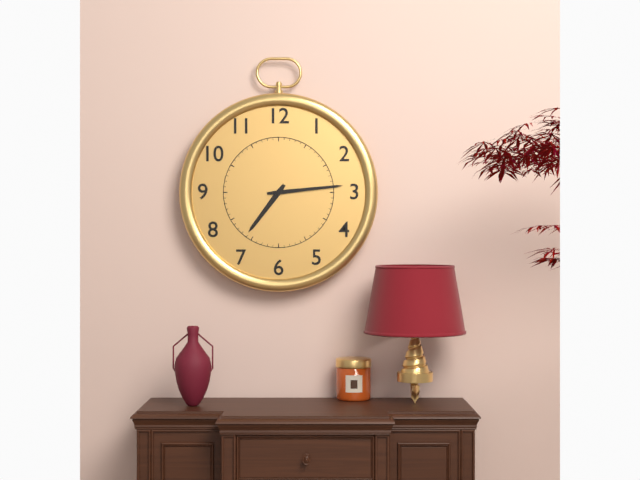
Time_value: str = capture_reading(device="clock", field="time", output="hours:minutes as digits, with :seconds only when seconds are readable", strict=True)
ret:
7:14
